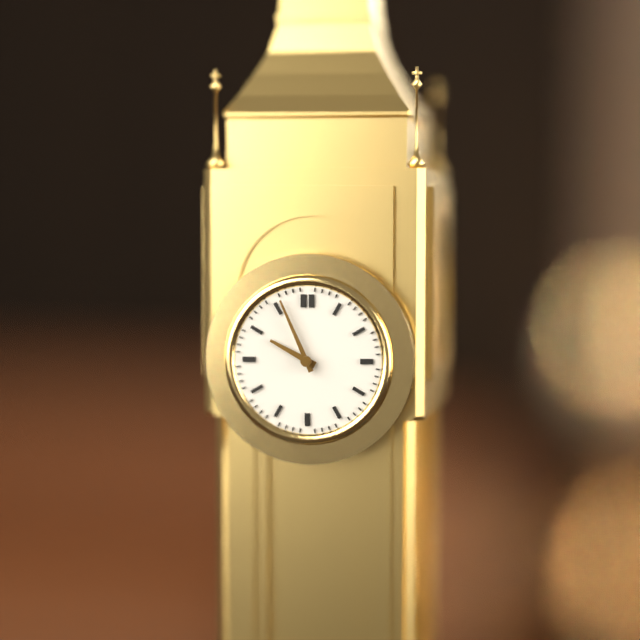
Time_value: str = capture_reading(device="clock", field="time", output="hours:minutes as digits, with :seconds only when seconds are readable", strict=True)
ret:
9:56
